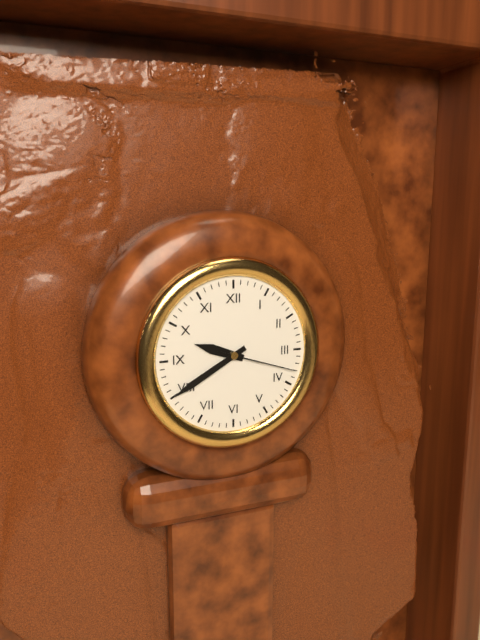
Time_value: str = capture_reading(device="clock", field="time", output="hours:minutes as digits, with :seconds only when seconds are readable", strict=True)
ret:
9:40:18
